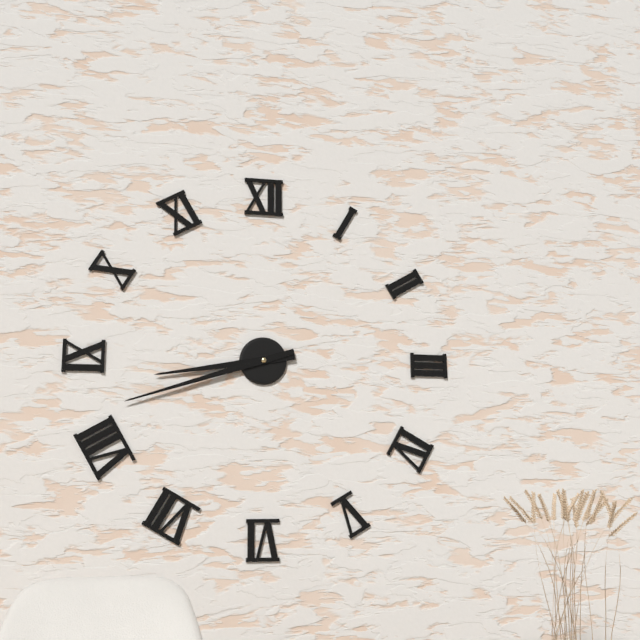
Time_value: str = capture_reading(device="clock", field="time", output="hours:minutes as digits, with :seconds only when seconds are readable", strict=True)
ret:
8:42
